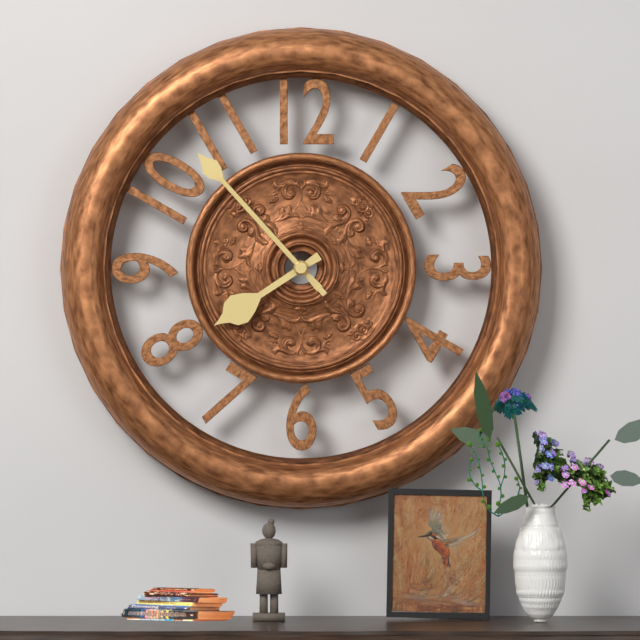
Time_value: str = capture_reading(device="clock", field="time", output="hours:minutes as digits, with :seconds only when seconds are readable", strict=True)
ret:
7:53:53
